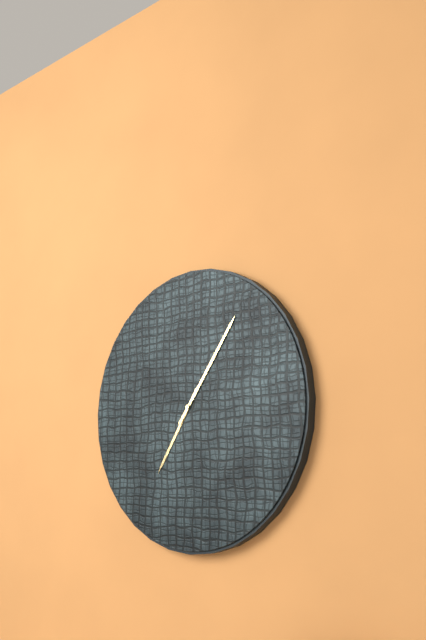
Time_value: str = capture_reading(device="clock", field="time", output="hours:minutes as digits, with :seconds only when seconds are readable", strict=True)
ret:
7:06
